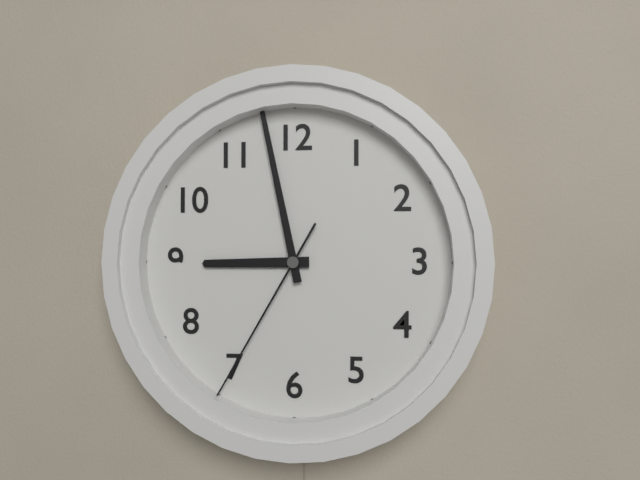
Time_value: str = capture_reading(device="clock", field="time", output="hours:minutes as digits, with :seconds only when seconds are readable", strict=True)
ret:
8:58:35
